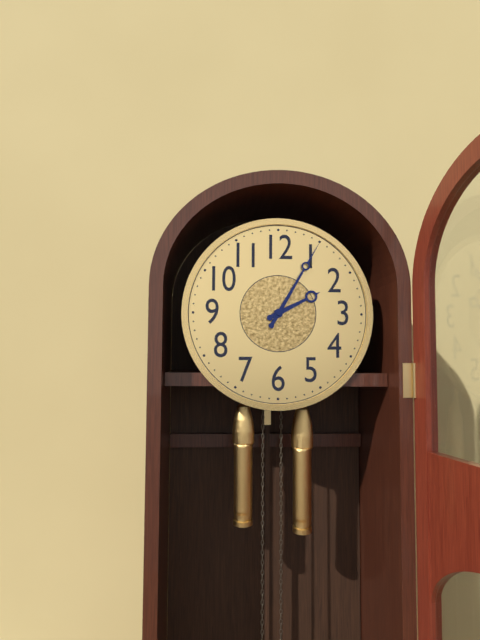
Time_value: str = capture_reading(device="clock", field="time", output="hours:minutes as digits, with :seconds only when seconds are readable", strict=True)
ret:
2:05
